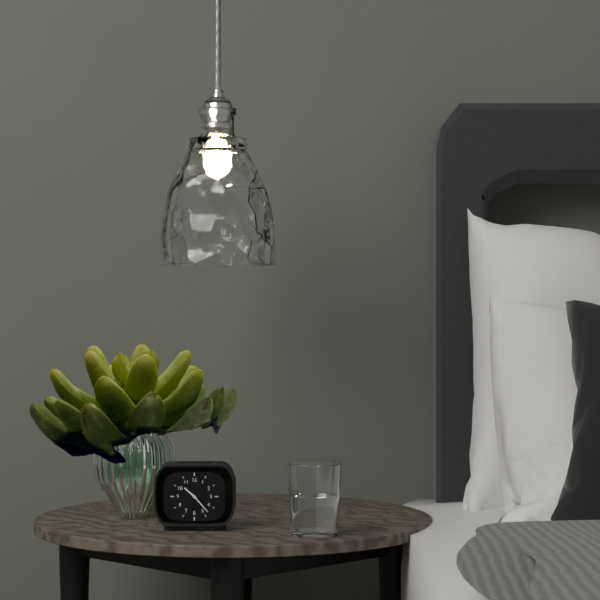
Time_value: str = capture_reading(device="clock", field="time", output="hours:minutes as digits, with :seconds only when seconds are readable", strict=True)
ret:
10:23
